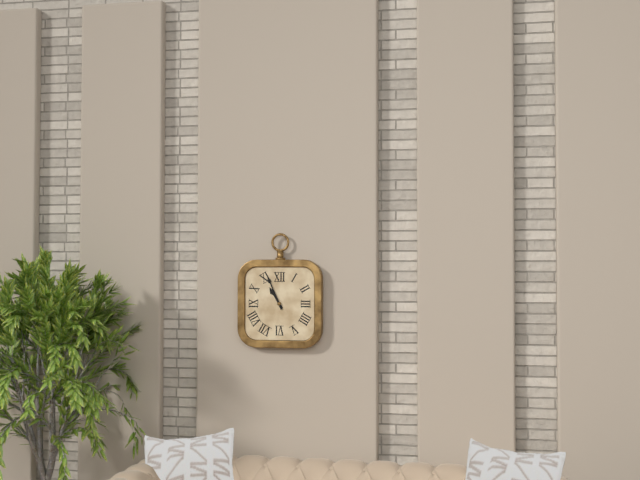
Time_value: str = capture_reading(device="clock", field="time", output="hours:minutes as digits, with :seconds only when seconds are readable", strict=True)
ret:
10:56
